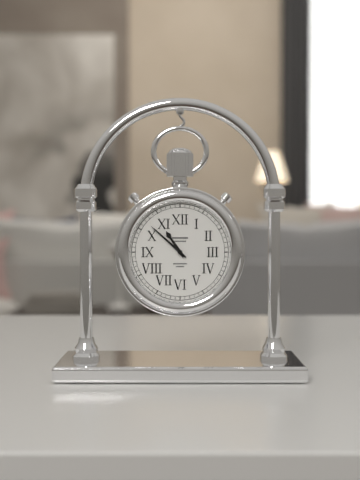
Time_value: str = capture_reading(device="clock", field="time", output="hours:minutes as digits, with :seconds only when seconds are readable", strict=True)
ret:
10:52
